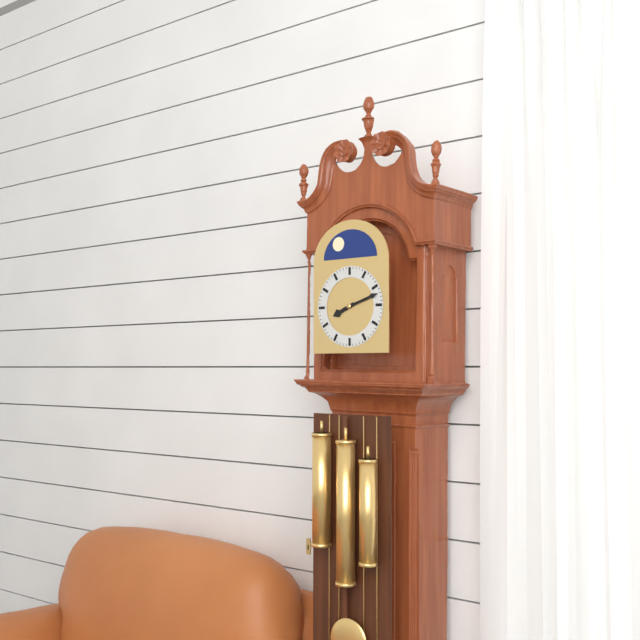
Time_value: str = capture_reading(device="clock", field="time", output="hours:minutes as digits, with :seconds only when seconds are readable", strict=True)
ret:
8:12
